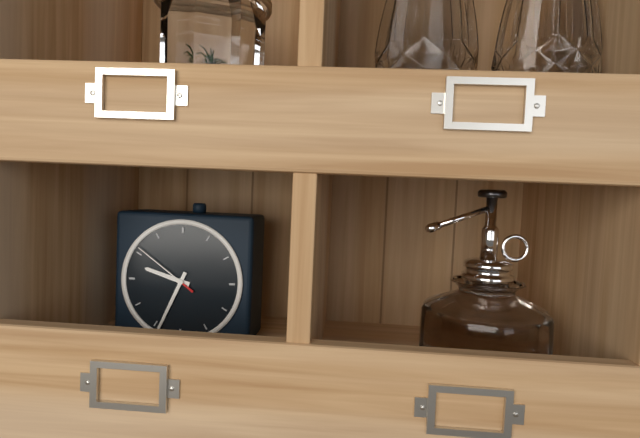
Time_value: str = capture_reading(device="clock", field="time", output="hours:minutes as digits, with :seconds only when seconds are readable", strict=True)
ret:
9:34:51
